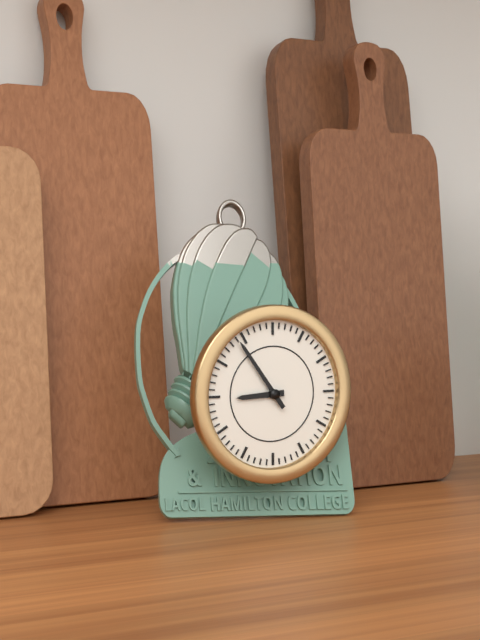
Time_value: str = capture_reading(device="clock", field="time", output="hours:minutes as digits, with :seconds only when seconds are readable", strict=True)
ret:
8:54
